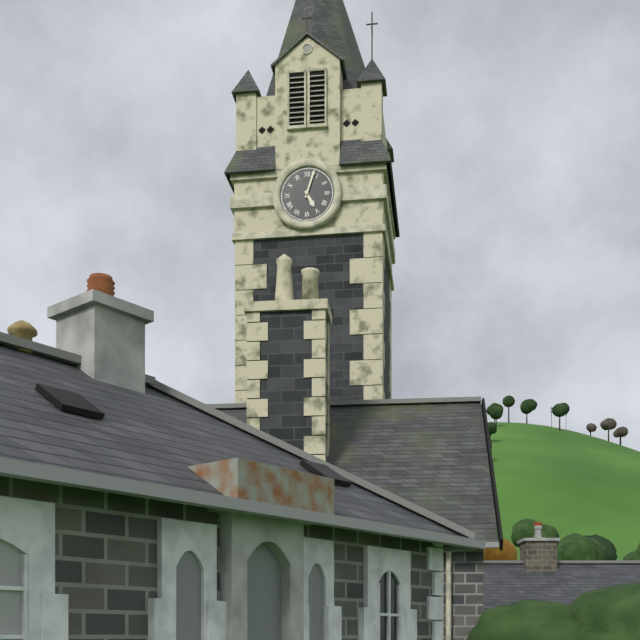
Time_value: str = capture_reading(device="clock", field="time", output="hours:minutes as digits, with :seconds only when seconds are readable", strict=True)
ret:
5:03
